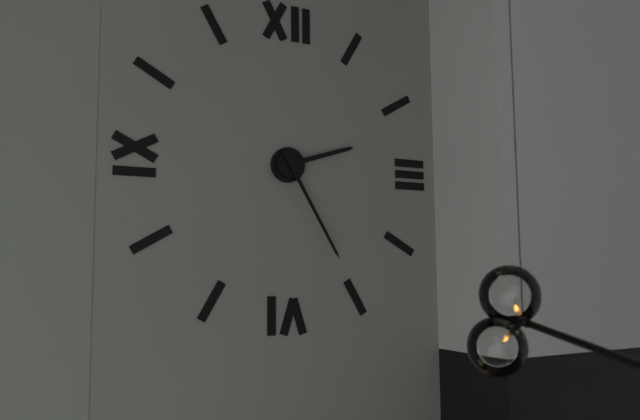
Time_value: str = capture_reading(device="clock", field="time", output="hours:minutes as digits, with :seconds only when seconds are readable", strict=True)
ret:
2:25
